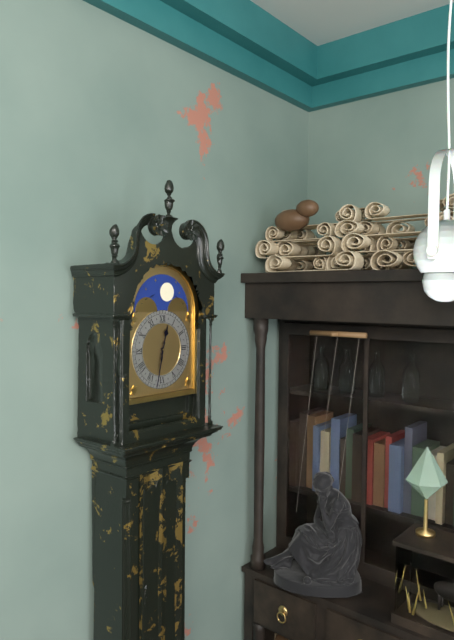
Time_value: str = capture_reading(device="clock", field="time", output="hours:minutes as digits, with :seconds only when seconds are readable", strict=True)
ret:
12:32
